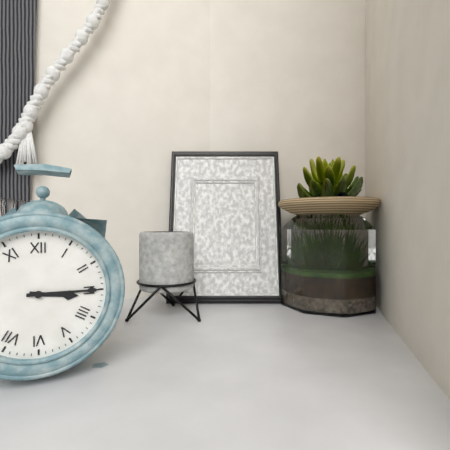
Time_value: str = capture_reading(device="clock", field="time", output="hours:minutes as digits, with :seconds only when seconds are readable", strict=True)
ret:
3:15
